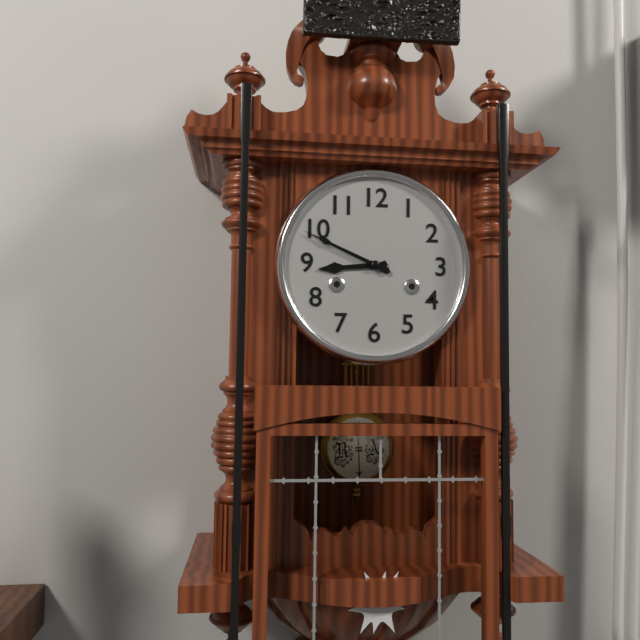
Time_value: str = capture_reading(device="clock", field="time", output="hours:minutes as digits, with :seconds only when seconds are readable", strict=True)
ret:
8:49
